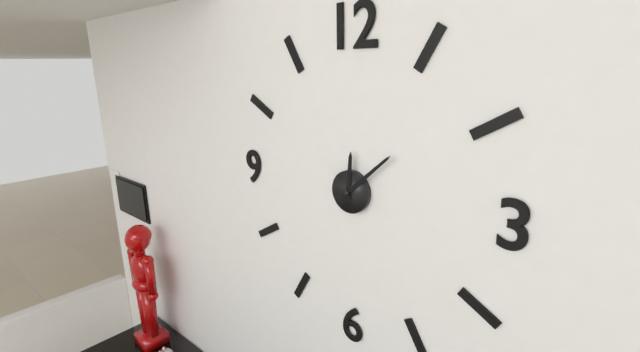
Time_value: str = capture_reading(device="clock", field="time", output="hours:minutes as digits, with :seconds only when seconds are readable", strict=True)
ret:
12:08
